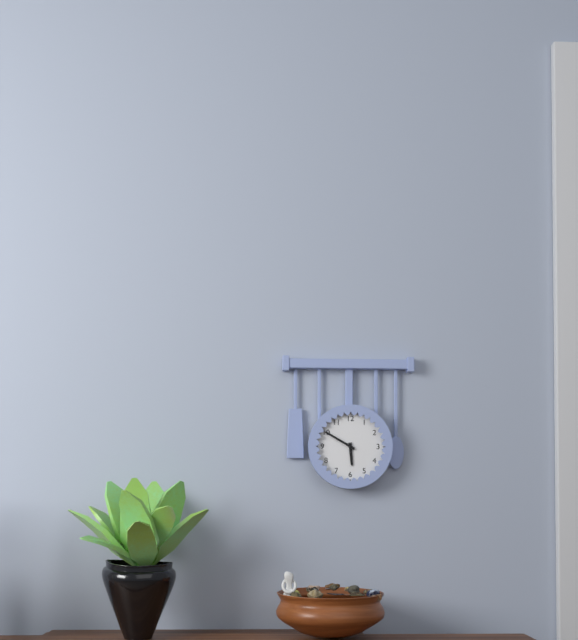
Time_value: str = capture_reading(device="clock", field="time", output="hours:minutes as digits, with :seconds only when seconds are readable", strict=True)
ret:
5:50
